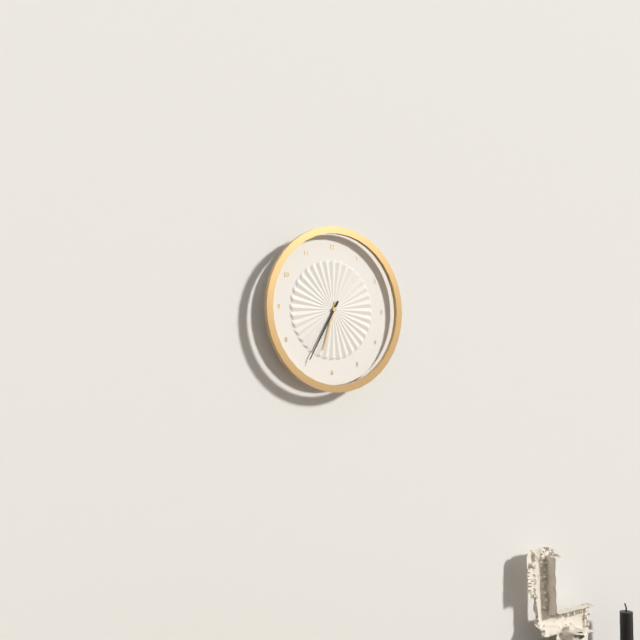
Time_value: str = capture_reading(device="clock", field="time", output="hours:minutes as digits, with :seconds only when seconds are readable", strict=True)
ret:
6:35
